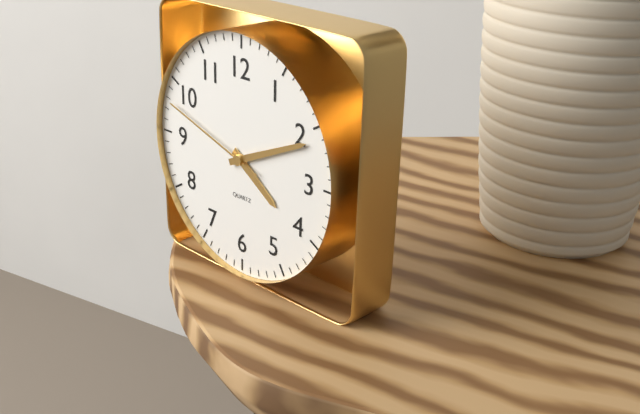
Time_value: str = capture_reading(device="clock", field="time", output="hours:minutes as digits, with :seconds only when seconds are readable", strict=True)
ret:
4:11:48
